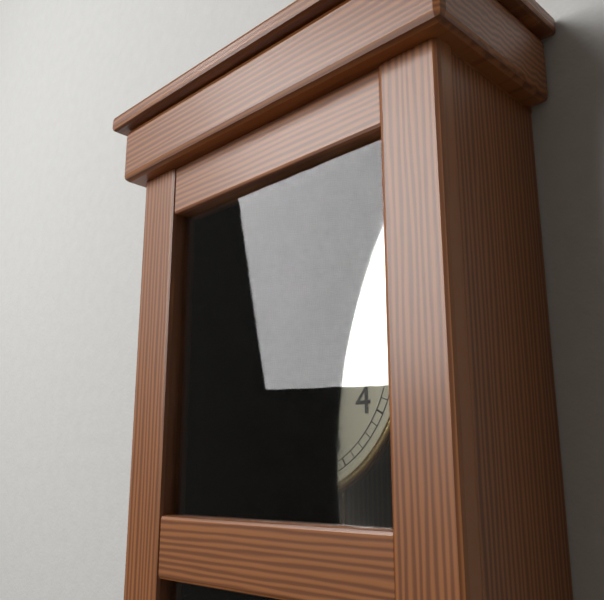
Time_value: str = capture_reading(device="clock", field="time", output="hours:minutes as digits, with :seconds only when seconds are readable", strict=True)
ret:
4:47
